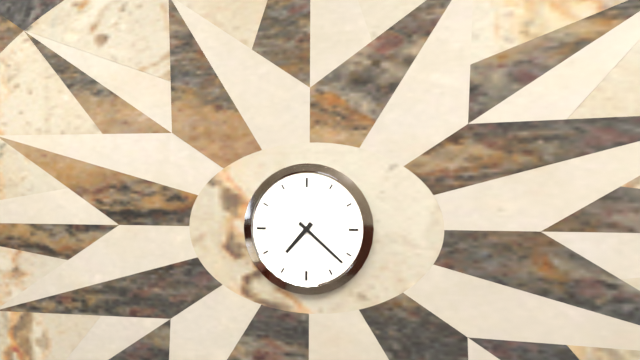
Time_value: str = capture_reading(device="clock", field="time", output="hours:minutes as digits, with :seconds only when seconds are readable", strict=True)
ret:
7:22
